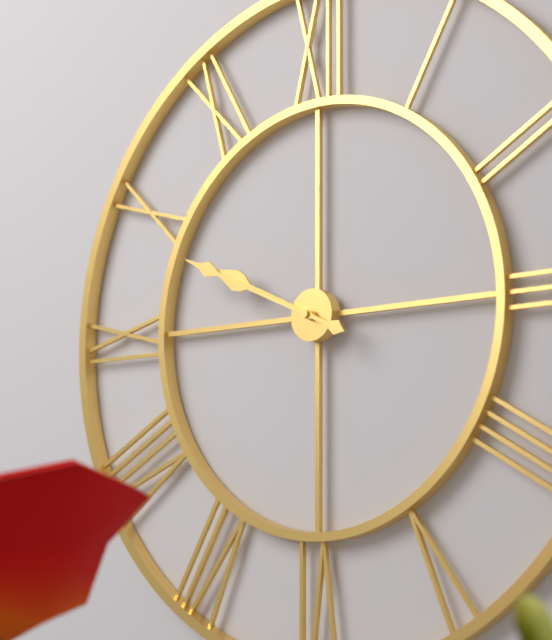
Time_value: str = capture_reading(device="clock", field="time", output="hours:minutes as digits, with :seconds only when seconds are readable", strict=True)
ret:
9:49
